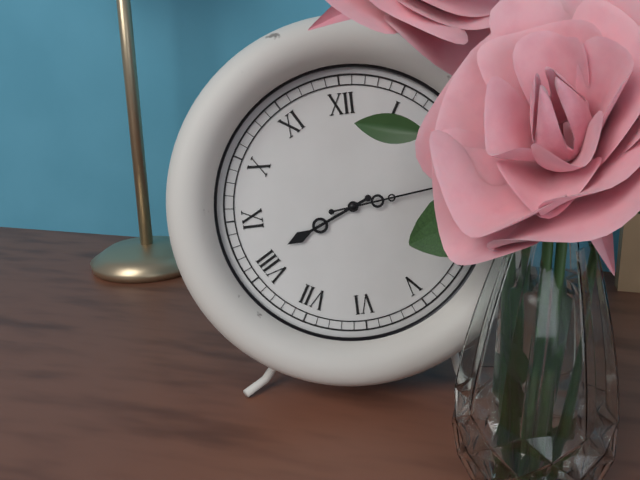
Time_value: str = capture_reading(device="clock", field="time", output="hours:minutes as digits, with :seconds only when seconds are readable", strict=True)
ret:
8:14
